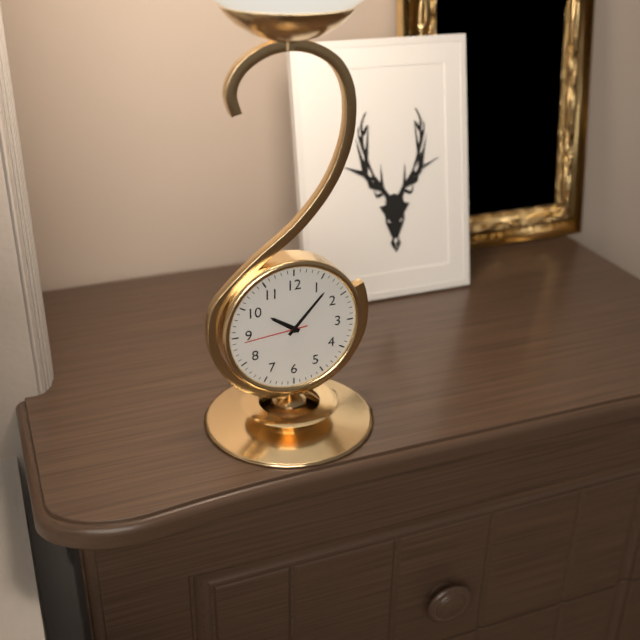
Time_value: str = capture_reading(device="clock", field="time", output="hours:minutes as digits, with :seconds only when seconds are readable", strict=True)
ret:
10:07:44
